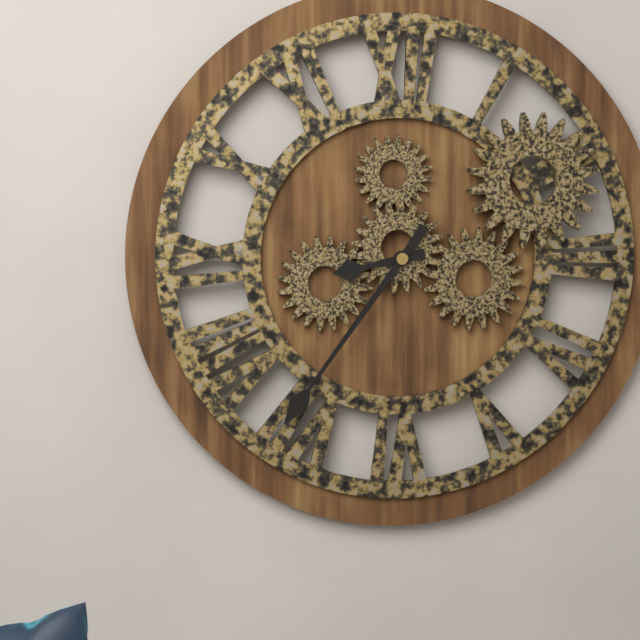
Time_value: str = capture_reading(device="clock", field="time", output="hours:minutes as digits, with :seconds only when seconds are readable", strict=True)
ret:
8:36
